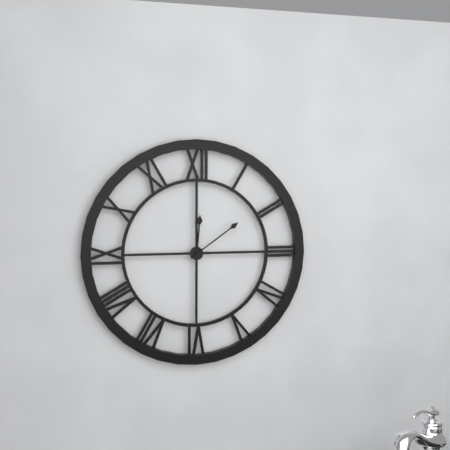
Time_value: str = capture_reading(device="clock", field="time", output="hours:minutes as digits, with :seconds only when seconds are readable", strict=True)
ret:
12:09
